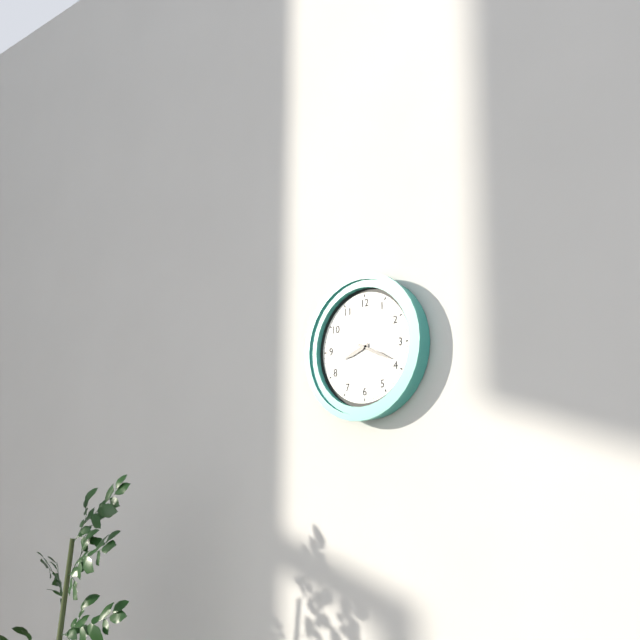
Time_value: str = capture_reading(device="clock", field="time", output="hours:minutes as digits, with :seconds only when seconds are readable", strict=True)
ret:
8:19
